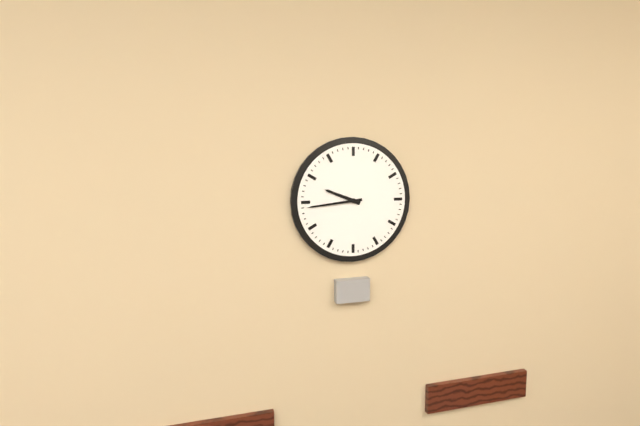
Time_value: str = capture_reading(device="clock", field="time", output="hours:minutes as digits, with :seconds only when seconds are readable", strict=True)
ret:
9:44
